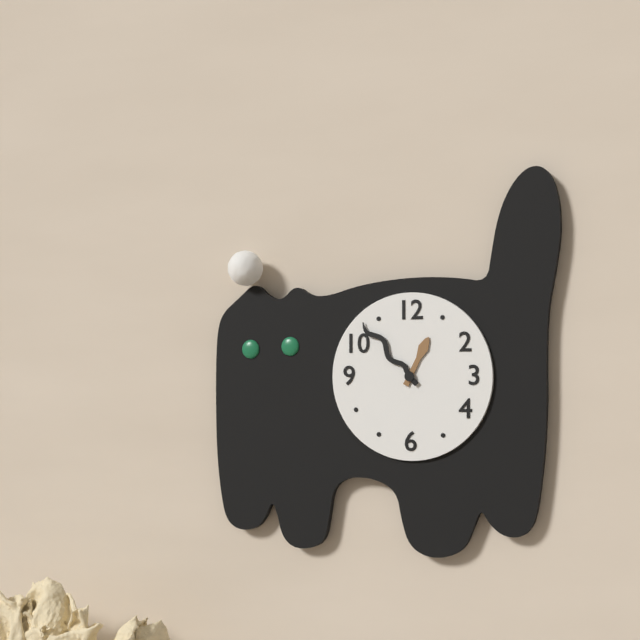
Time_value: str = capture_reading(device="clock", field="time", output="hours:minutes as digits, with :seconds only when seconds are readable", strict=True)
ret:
12:53
